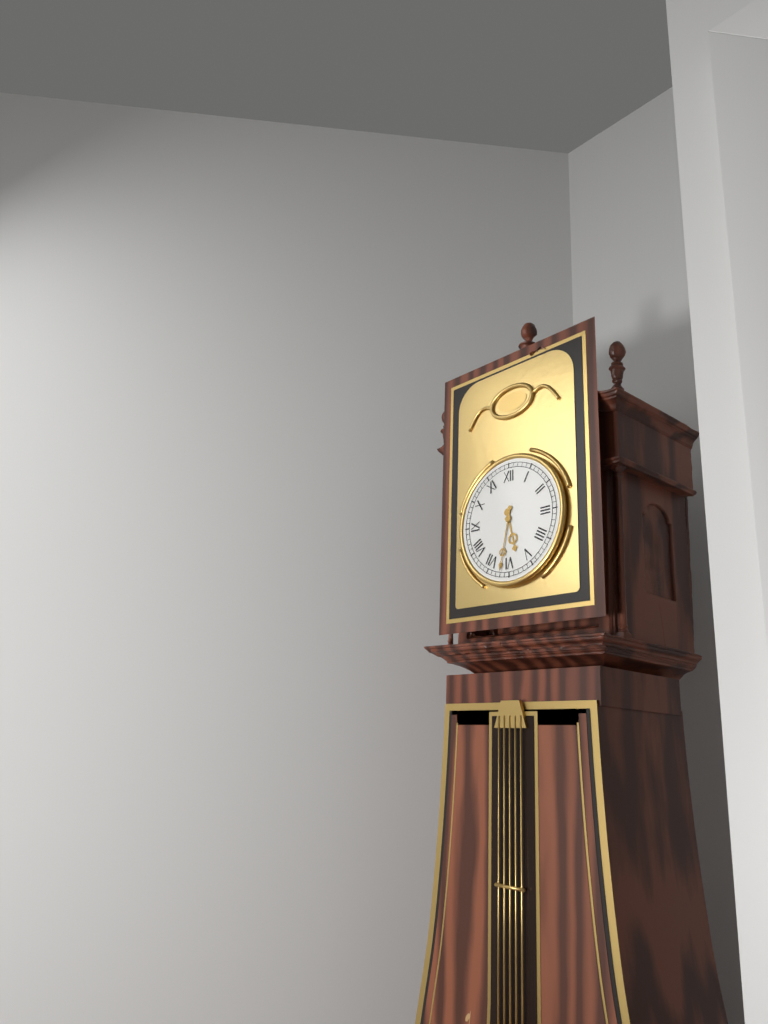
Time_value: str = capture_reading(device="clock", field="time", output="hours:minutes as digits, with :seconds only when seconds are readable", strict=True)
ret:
5:32
